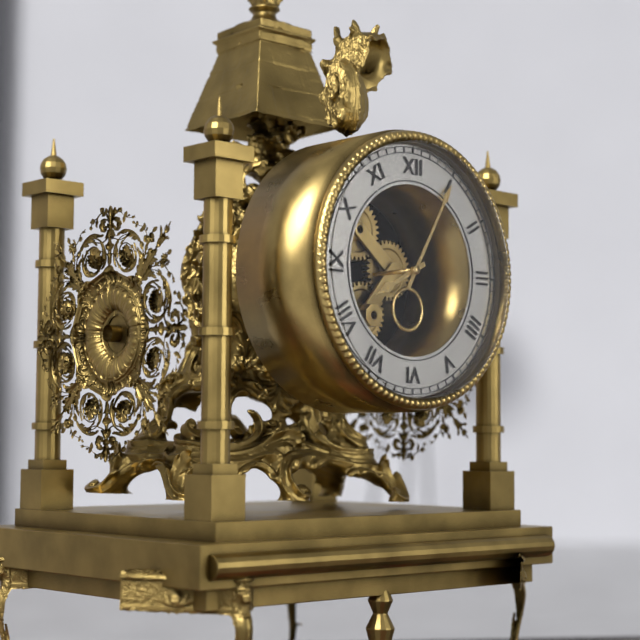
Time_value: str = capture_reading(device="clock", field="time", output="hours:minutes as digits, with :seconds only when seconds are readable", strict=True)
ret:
8:05
